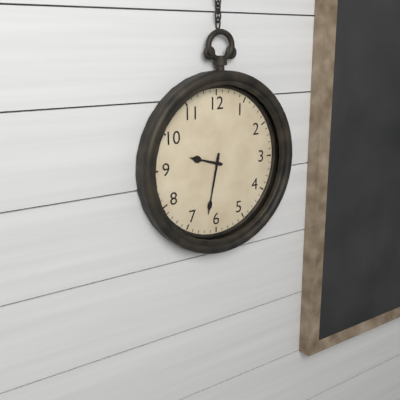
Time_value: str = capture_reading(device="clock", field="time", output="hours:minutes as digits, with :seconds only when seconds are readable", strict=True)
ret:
9:32
